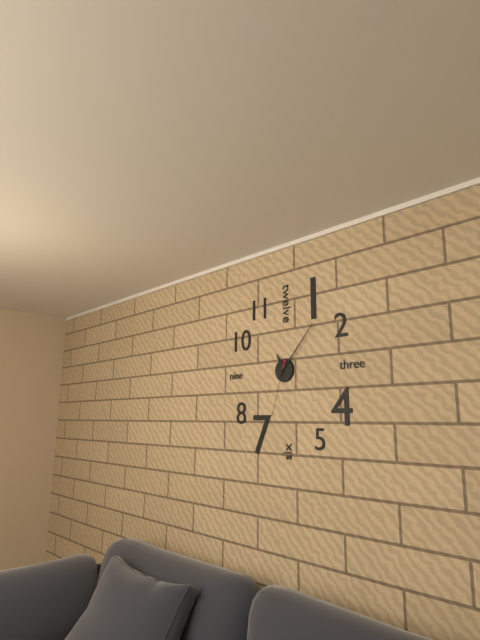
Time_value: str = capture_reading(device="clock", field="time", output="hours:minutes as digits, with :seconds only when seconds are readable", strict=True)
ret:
11:07:33
